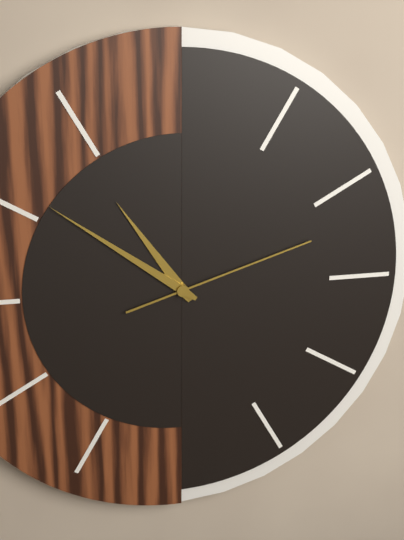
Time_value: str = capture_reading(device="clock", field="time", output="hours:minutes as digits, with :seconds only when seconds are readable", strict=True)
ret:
10:51:12
